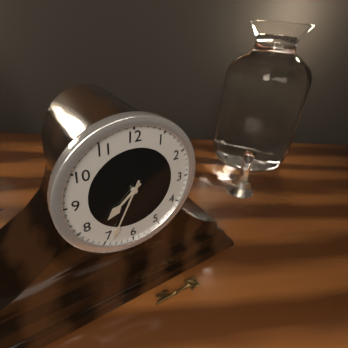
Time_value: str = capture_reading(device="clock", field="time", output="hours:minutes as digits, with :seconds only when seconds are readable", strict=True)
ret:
7:34
